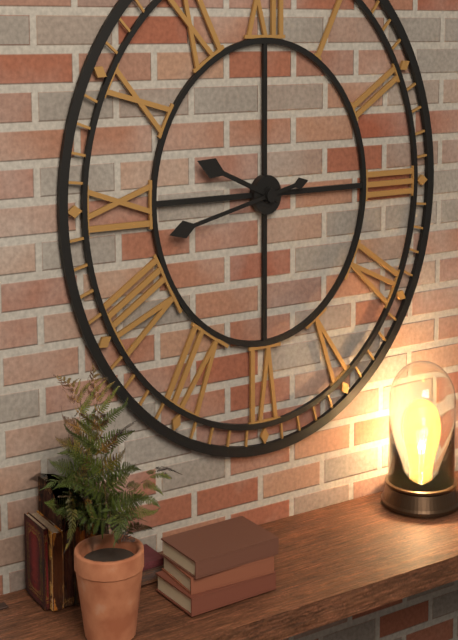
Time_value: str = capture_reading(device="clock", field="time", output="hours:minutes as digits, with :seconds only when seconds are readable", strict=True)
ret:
9:43
